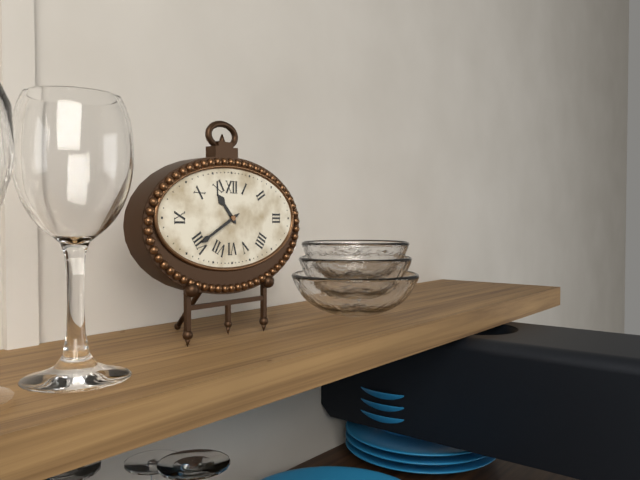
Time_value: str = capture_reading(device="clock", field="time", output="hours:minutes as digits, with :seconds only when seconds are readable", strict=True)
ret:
10:40
